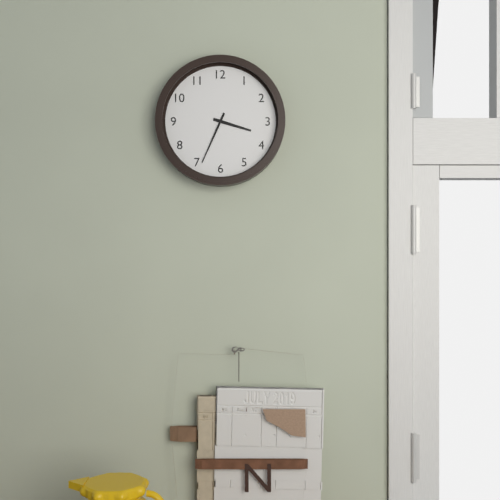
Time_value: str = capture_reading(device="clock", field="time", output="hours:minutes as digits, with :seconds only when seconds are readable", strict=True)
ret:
3:34
